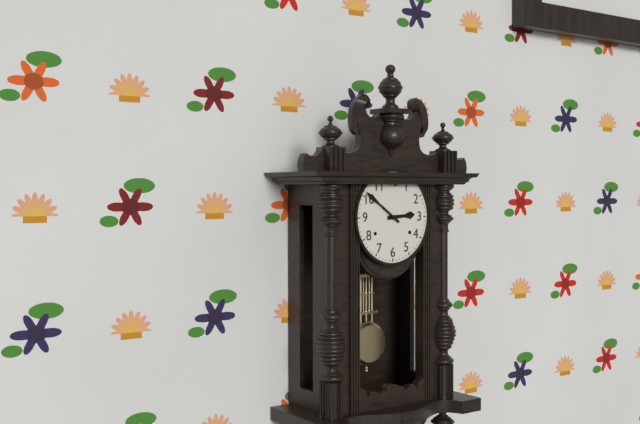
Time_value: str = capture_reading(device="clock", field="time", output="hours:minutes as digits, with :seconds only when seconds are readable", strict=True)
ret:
2:51
